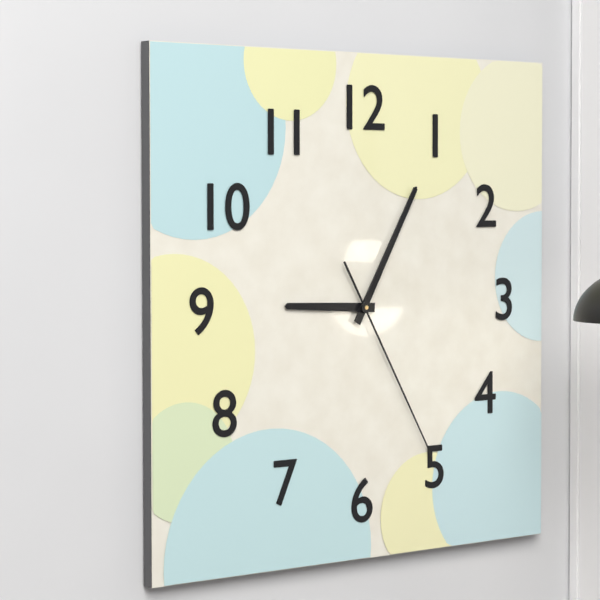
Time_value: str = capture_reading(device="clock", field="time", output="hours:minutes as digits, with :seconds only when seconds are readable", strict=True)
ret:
9:05:25
